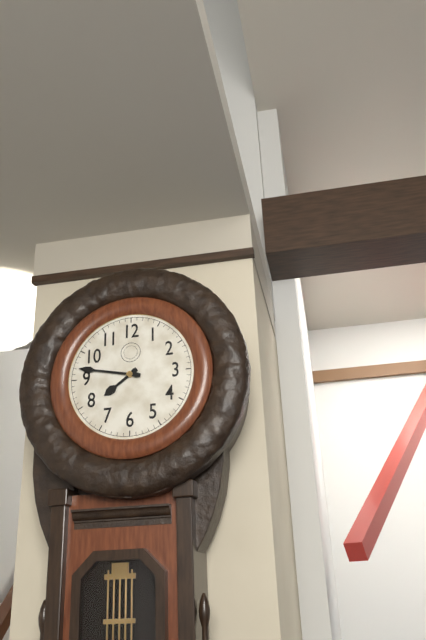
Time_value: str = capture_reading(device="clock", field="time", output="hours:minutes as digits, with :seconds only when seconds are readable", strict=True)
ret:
7:47
